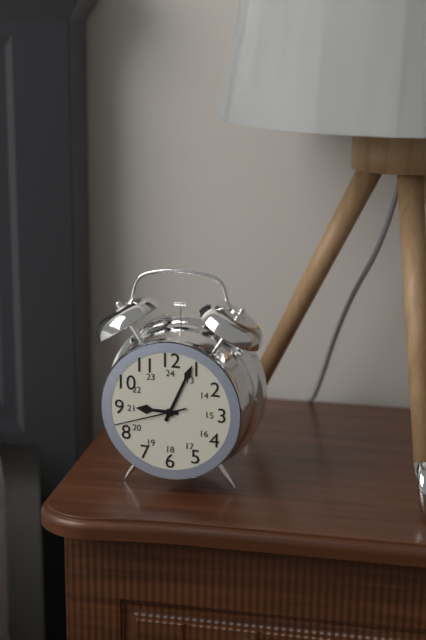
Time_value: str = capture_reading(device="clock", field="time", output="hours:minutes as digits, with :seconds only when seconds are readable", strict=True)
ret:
9:04:42
